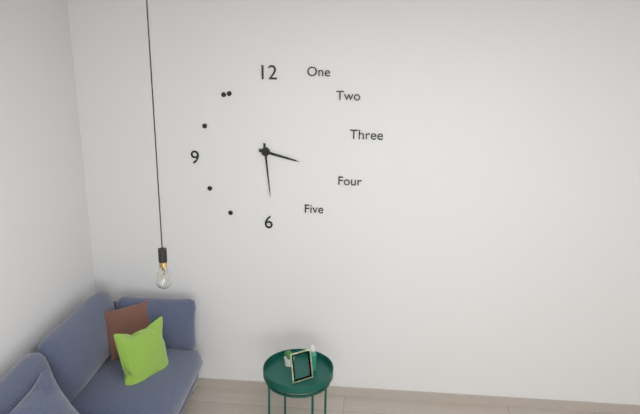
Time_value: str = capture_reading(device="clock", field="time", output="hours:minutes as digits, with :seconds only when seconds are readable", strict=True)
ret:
3:29
